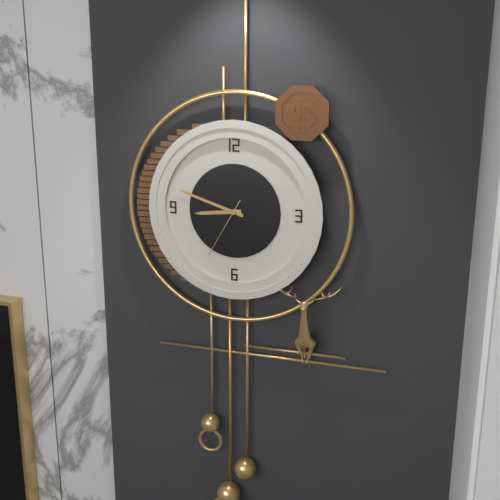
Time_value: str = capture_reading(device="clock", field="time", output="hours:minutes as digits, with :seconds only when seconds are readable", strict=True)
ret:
8:48:35
